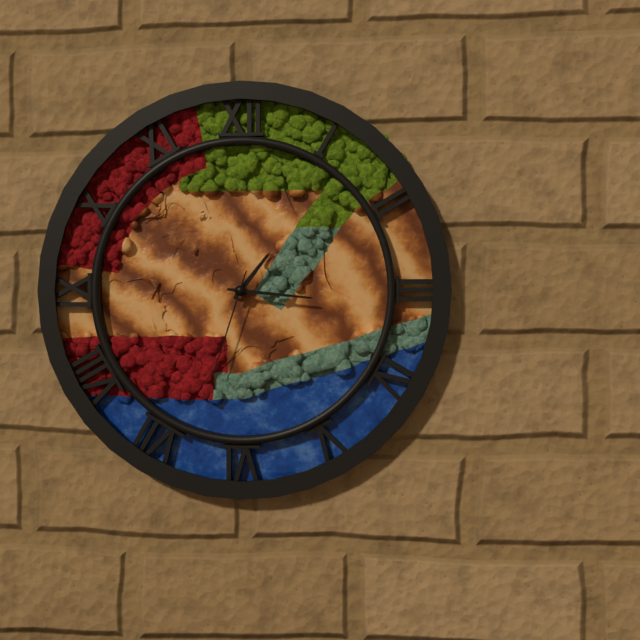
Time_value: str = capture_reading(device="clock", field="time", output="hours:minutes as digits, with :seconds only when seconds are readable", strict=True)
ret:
1:16:33
